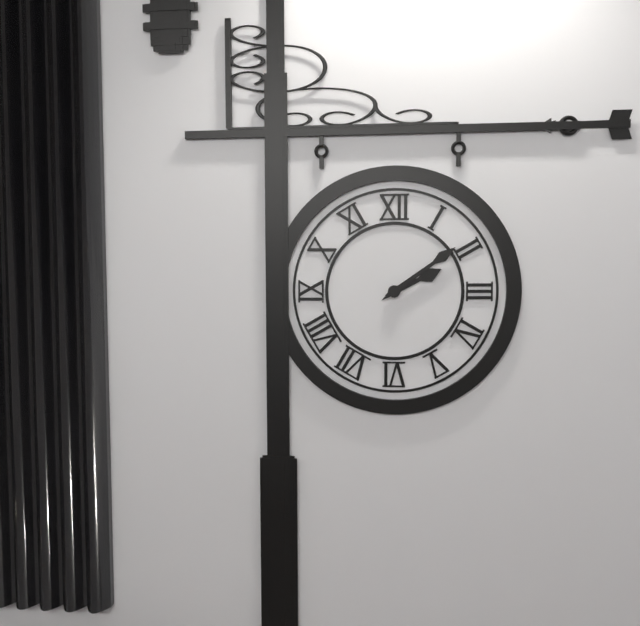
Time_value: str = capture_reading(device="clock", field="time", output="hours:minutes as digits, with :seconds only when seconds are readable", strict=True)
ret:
2:09
